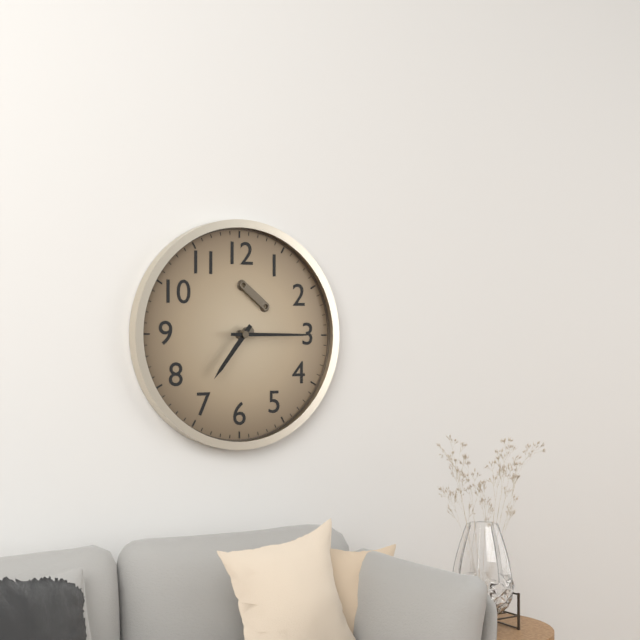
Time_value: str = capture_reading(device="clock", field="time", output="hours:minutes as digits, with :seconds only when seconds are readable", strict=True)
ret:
7:15
